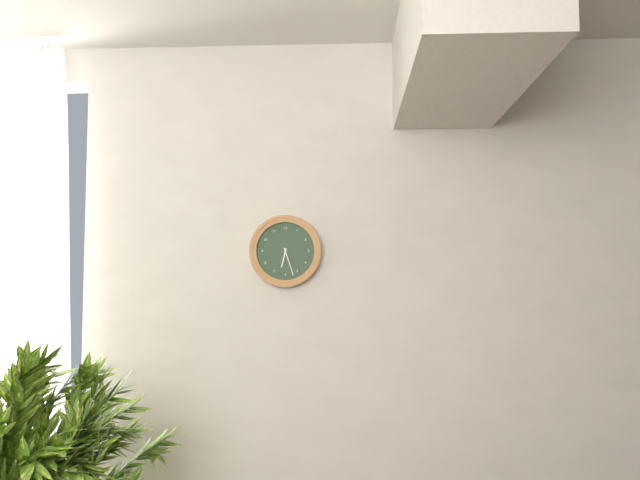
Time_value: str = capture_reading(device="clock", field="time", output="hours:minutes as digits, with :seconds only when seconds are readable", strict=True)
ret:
6:27
